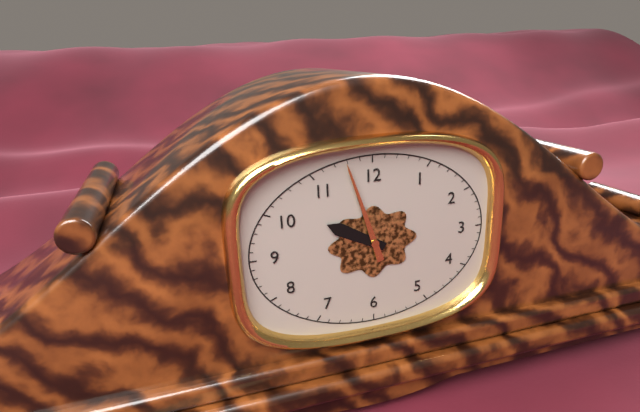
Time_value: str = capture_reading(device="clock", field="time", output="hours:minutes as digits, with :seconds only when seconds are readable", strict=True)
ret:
9:57
